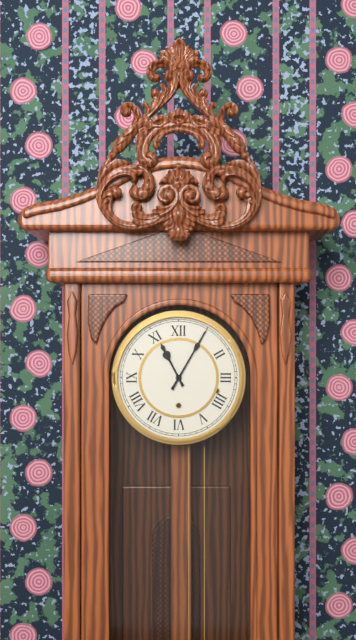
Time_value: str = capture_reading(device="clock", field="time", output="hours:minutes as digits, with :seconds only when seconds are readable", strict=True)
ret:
11:05
